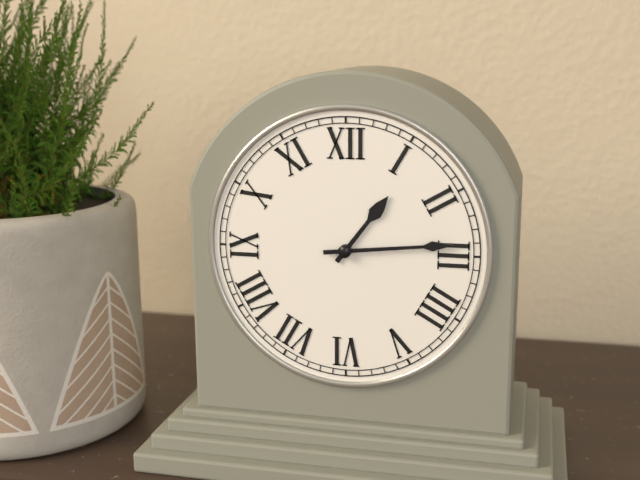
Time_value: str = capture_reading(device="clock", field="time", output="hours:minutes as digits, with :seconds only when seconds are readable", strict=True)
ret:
1:14
